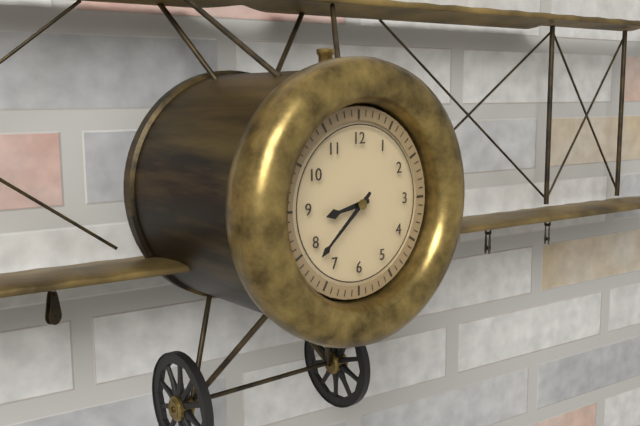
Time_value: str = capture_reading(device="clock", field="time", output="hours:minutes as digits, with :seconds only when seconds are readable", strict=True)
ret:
8:38
